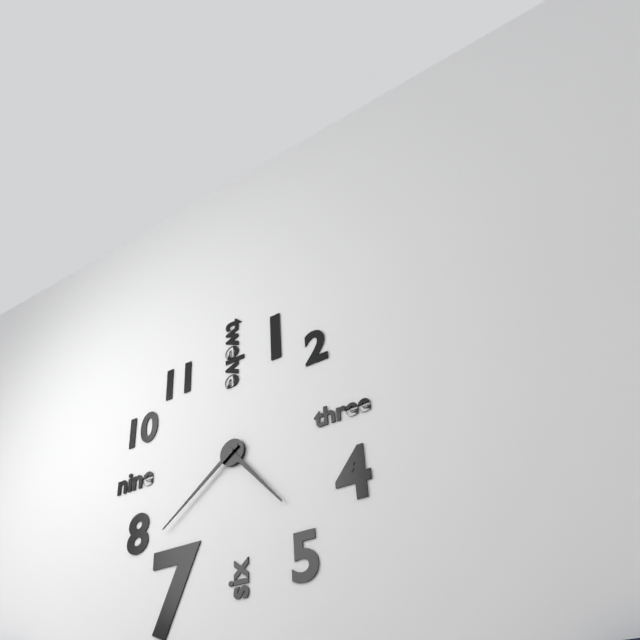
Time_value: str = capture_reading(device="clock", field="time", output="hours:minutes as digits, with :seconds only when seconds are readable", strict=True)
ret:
4:39
